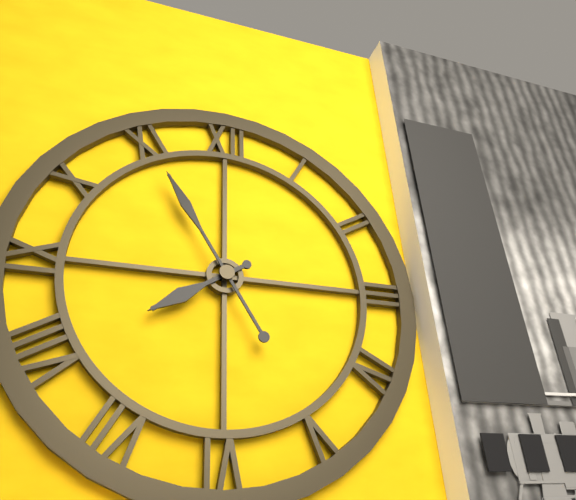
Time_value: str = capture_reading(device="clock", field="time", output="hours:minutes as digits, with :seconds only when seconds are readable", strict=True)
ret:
7:55
